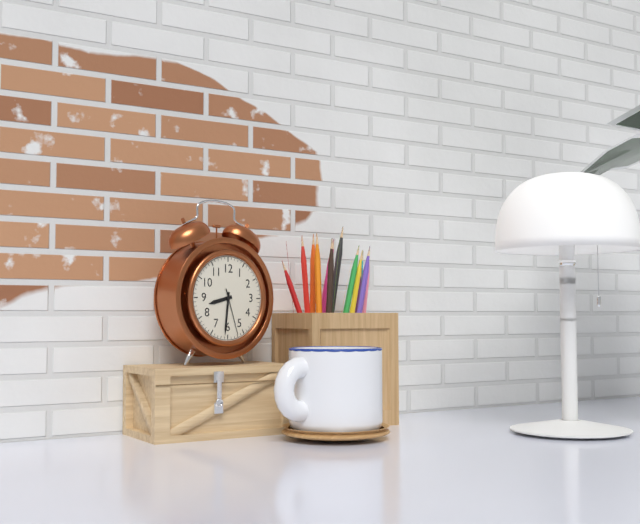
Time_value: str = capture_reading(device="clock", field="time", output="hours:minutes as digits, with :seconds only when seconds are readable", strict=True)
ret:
8:31
